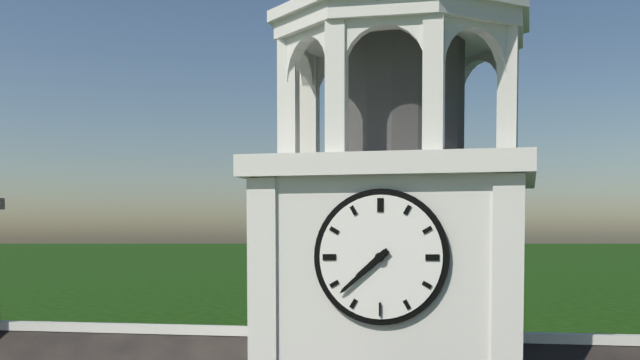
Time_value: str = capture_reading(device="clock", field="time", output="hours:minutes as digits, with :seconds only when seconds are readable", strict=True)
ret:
7:38
